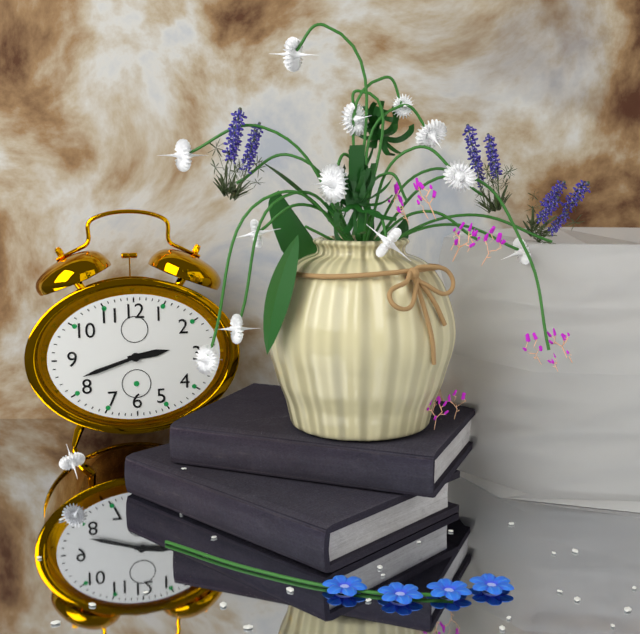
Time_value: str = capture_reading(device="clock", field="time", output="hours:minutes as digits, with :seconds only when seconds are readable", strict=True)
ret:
2:42
